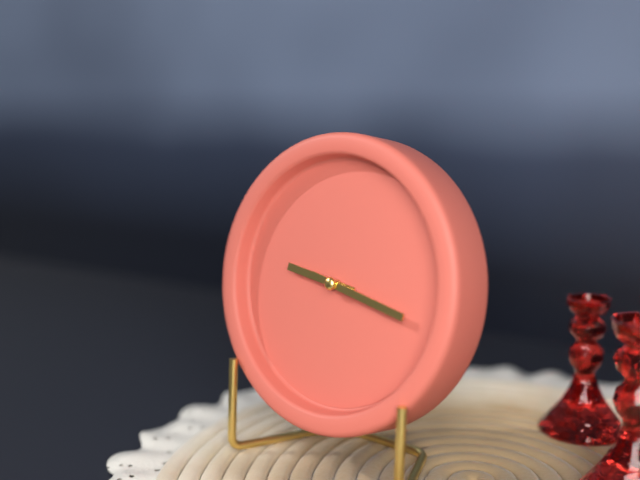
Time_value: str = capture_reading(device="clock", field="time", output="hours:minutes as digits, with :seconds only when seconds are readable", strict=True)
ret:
9:17
